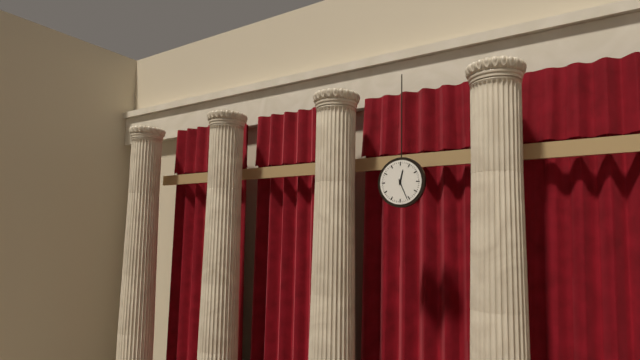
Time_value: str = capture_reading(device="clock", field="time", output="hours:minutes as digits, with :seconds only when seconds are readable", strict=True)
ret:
12:26
